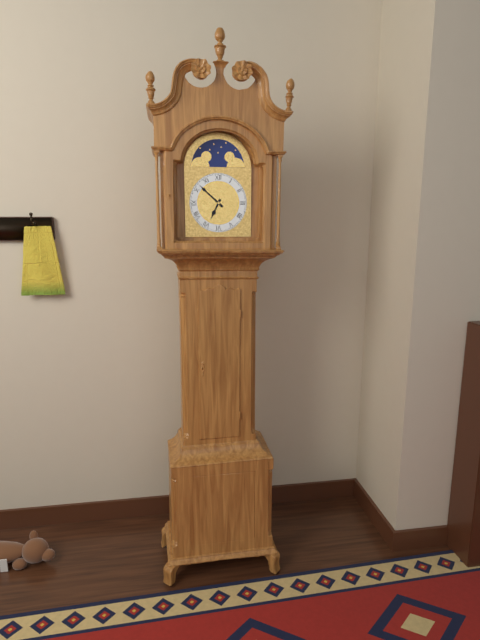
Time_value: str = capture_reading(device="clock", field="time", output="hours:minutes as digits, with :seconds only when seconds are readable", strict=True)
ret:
6:52
